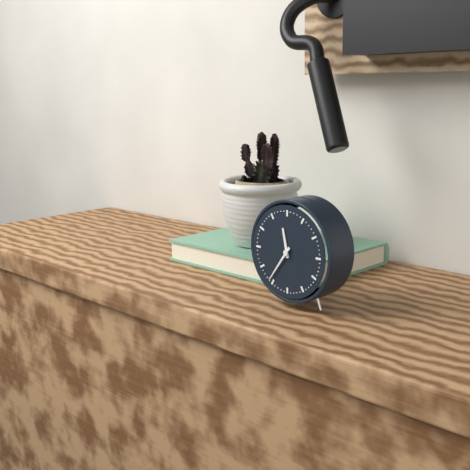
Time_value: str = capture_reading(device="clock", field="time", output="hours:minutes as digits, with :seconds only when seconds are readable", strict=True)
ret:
11:36
